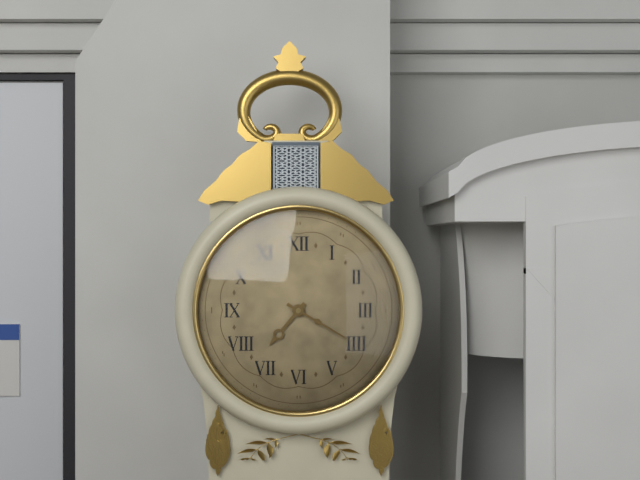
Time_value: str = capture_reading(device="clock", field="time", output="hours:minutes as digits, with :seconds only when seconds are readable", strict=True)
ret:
7:20
